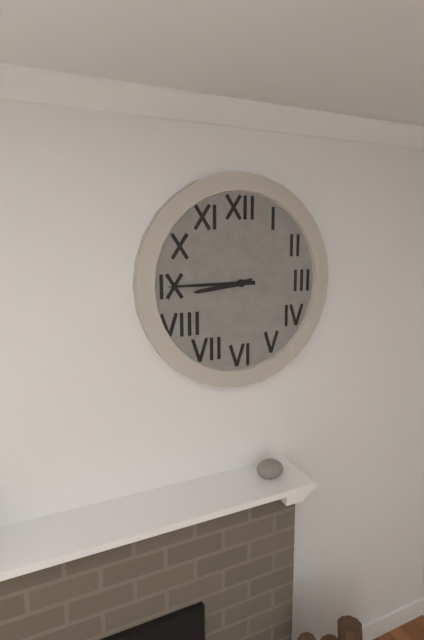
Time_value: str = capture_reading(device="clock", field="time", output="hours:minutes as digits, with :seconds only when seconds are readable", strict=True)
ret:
8:45
